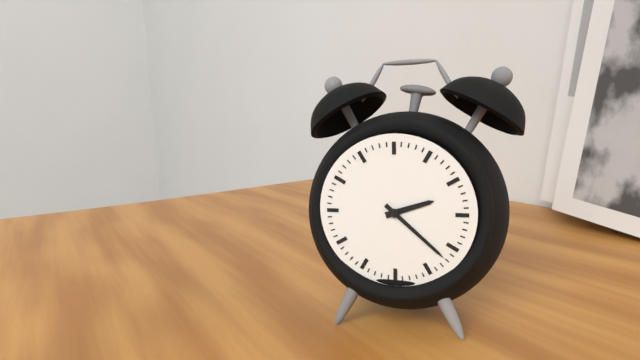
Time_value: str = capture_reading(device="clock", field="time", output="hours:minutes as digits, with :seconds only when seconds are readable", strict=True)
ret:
2:22
